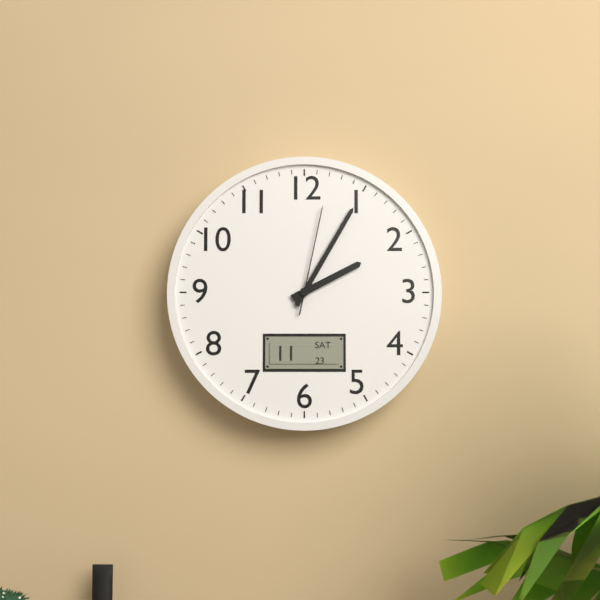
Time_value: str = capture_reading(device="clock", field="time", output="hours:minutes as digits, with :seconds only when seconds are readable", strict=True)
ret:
2:05:02
